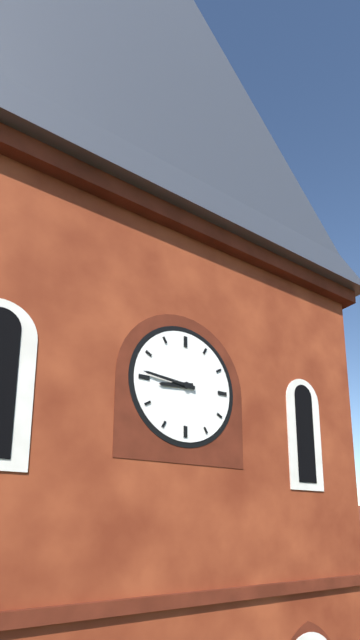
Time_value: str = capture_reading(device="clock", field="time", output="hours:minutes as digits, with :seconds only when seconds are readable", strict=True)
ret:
8:46
